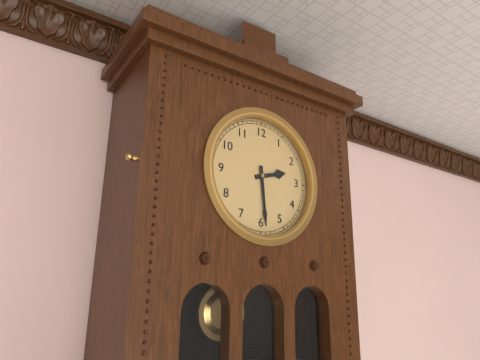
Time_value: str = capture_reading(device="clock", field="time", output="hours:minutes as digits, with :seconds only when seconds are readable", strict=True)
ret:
2:29
